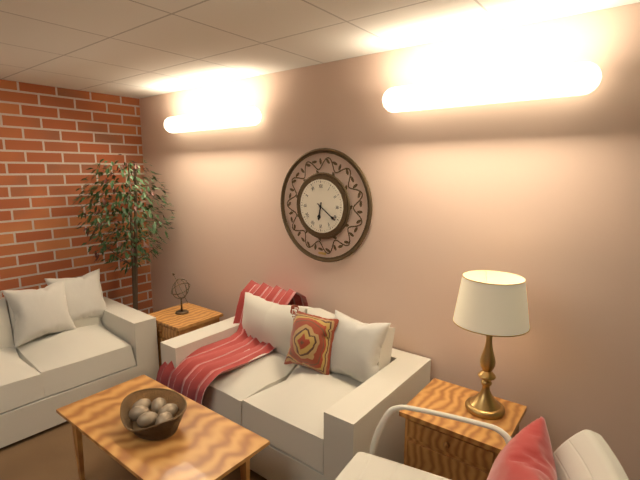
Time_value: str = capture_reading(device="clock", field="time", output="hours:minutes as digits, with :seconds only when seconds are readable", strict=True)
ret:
6:21
